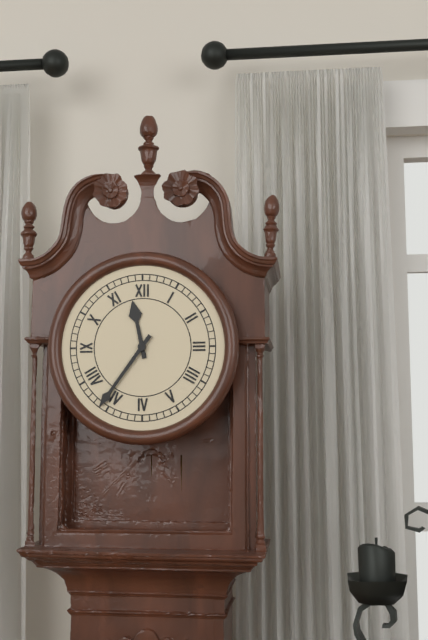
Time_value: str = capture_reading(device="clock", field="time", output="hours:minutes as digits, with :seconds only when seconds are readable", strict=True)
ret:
11:36
